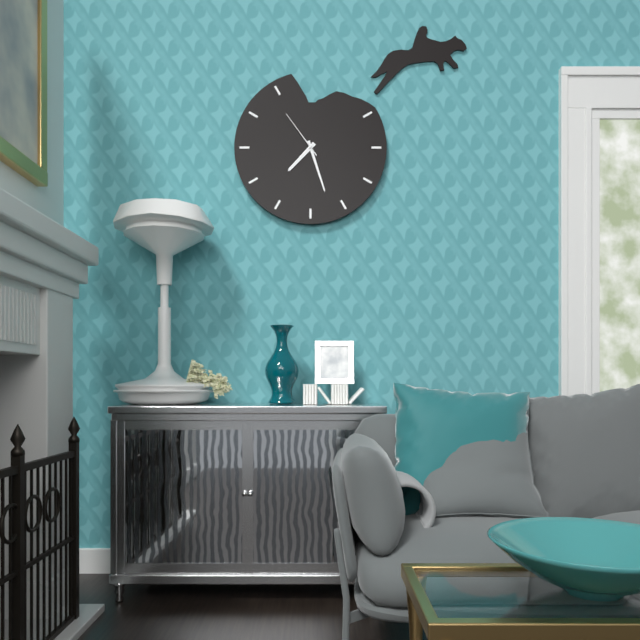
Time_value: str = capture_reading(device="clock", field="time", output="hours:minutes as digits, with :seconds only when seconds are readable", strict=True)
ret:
7:27:54
